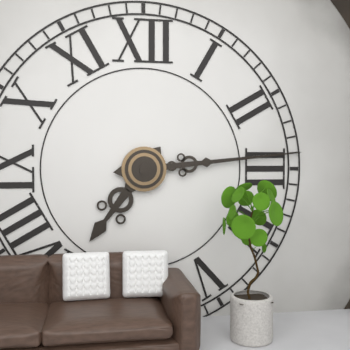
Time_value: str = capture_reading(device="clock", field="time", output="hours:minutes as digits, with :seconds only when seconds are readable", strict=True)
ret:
7:14
